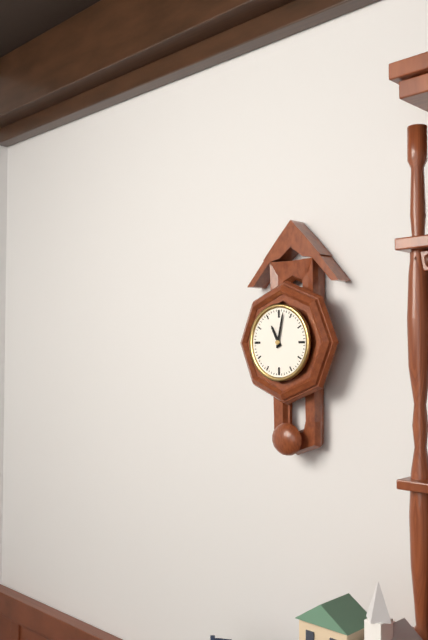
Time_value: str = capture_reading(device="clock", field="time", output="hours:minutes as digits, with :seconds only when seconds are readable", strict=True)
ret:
11:02
